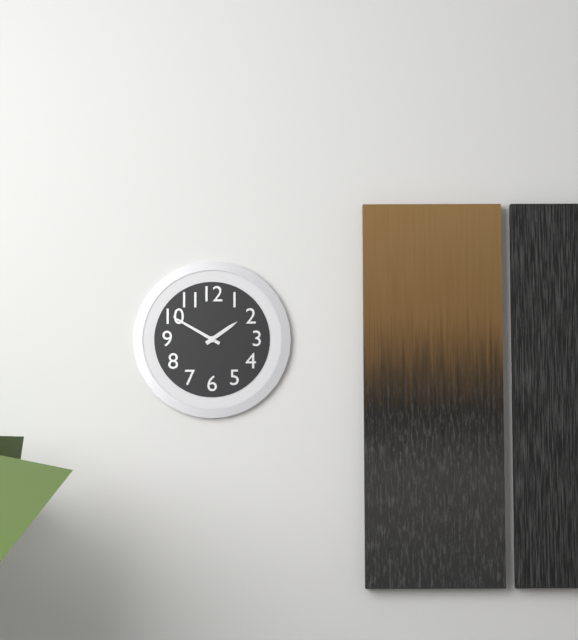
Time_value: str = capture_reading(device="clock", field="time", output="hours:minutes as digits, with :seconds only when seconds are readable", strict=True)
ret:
1:50
